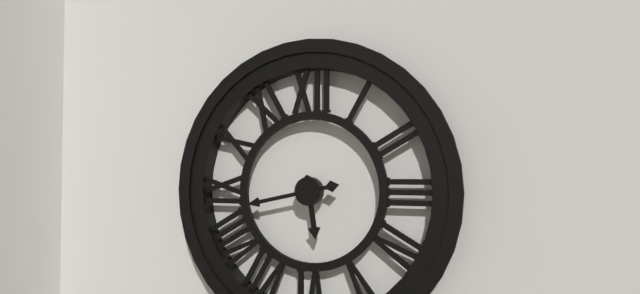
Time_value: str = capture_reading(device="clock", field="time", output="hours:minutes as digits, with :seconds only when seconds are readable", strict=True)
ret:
5:43
